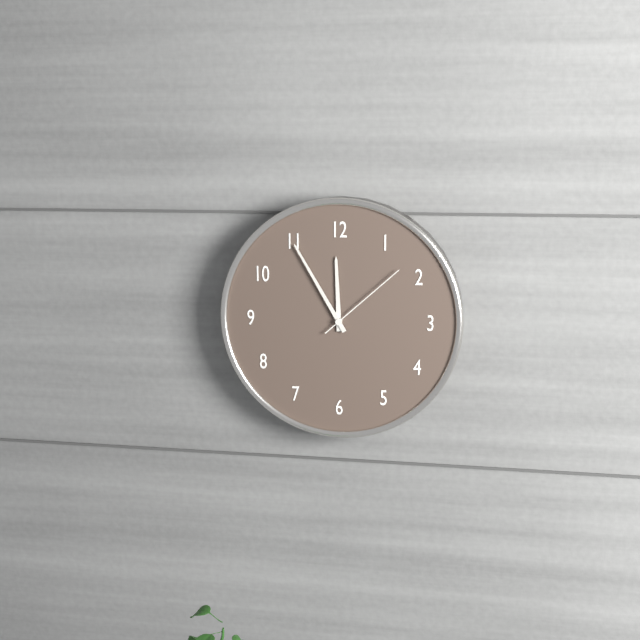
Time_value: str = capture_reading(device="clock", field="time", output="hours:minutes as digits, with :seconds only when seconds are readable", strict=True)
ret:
11:55:08
